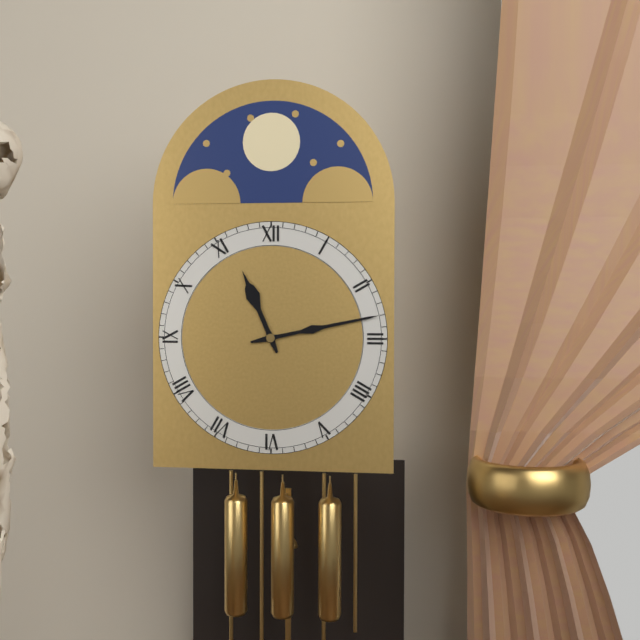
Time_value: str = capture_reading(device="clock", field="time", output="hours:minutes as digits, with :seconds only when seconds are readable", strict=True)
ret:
11:13
